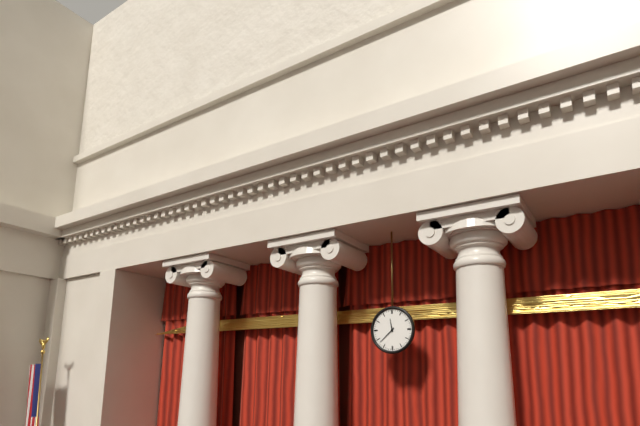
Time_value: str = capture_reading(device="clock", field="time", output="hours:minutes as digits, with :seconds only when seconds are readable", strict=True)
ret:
11:38
